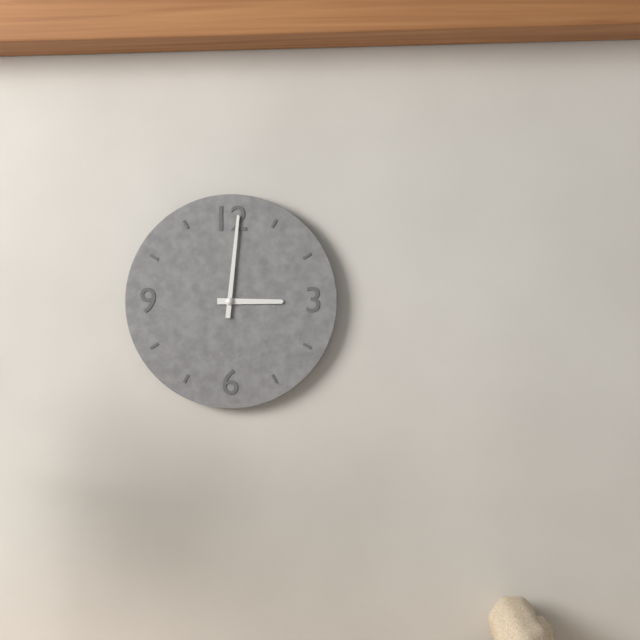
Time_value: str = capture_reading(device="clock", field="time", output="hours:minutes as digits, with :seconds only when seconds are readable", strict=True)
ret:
3:01
